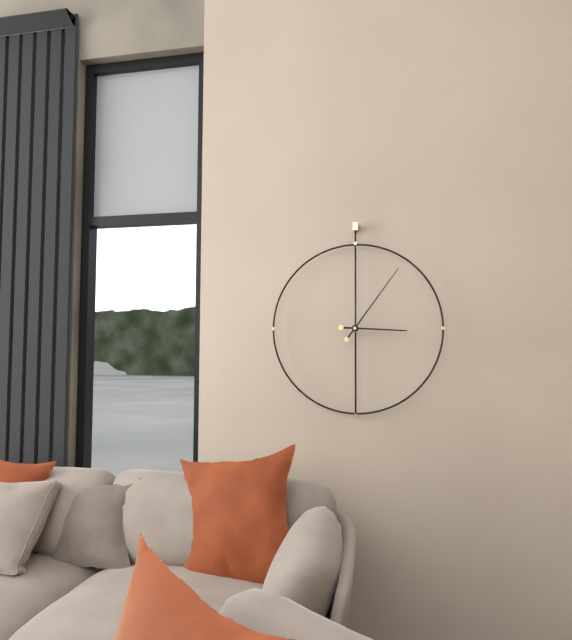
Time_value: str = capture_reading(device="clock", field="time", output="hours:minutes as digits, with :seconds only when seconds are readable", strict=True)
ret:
3:06
